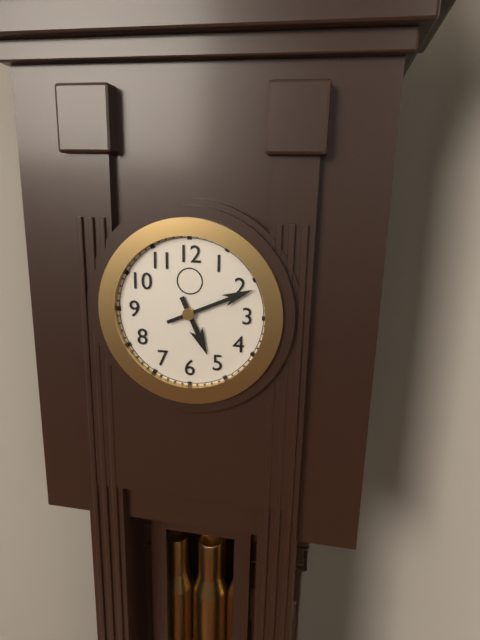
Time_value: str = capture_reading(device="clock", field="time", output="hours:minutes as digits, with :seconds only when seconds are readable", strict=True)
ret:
5:11
